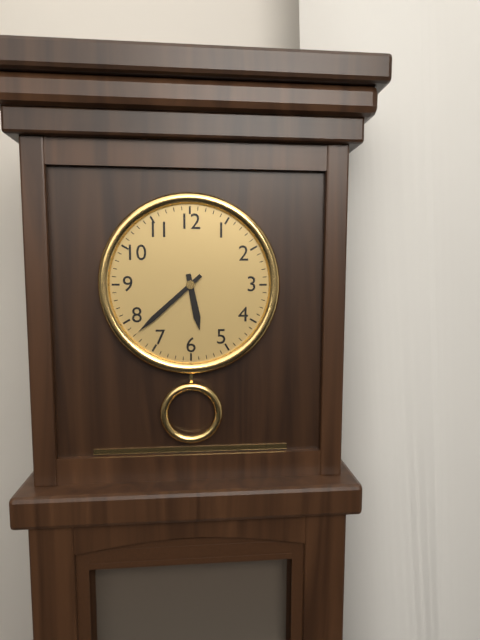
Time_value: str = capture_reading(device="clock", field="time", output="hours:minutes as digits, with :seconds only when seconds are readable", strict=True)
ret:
5:38
